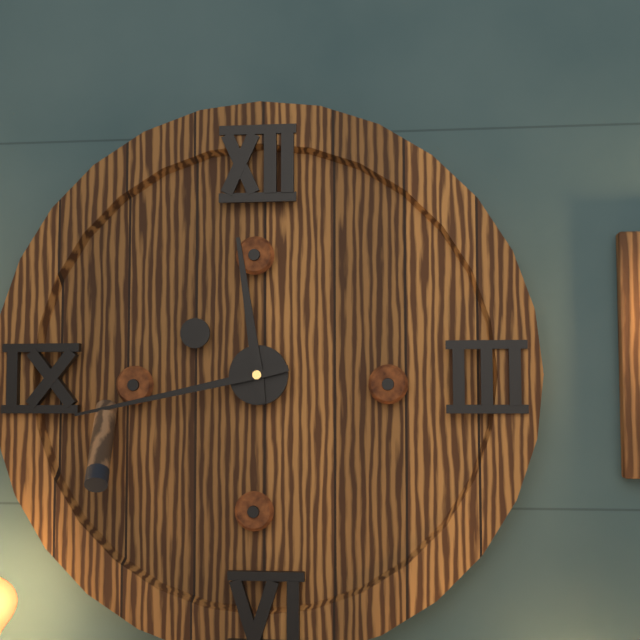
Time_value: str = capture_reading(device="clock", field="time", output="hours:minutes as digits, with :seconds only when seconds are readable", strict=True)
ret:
11:43
